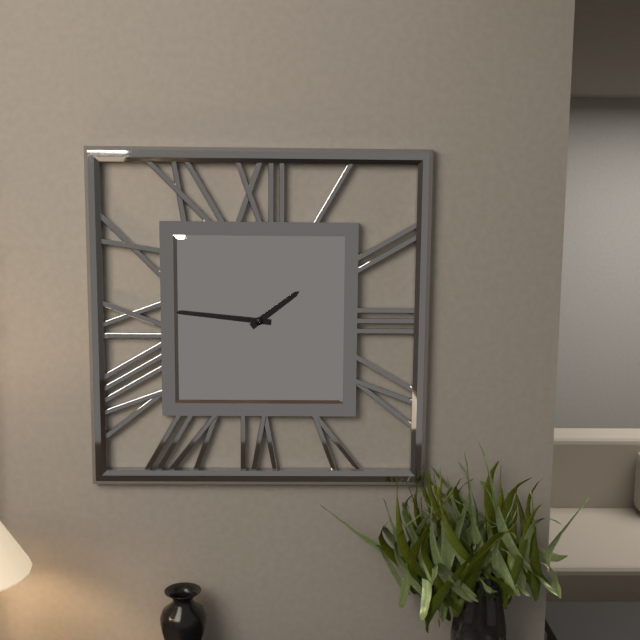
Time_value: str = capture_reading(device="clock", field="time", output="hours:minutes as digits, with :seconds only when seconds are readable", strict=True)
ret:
1:46
